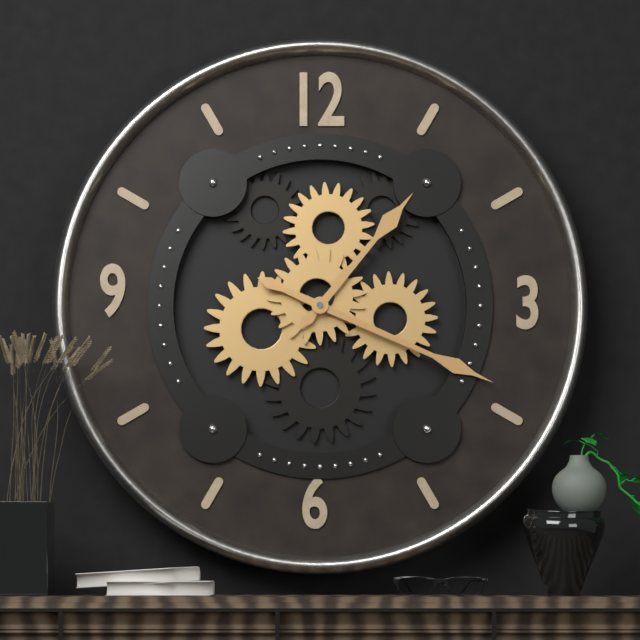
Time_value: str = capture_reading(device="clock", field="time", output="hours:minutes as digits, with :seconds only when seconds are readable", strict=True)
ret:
1:19
